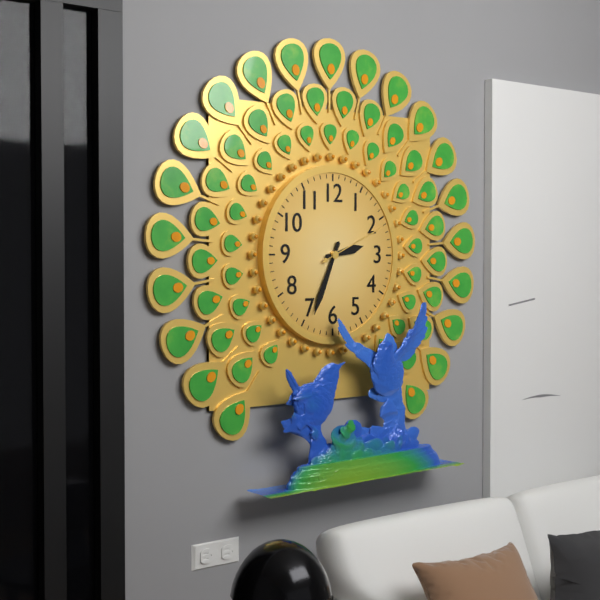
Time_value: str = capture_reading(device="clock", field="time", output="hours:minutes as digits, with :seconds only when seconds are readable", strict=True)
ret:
2:34:11
